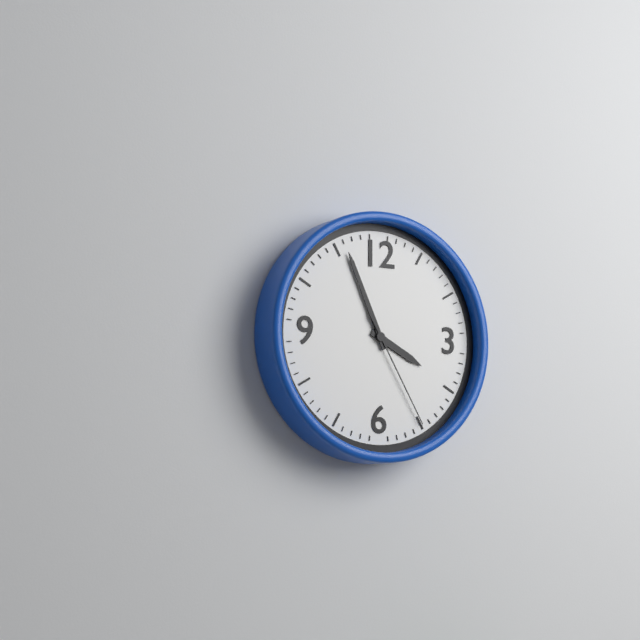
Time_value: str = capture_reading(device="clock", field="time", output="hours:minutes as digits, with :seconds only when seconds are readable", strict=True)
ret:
3:56:25
